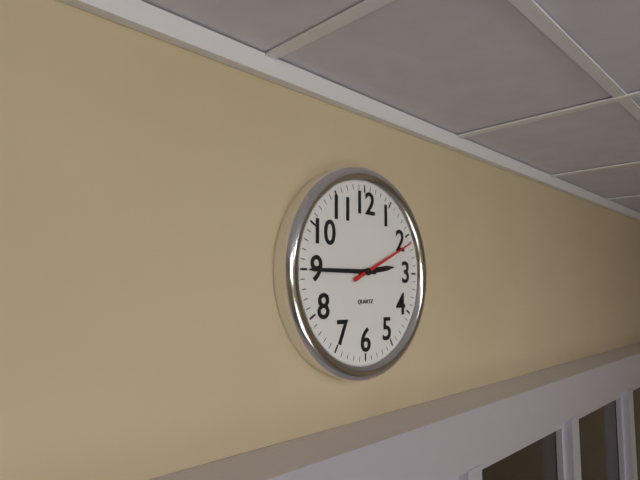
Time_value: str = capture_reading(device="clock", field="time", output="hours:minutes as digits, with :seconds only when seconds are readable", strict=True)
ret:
2:45:11
